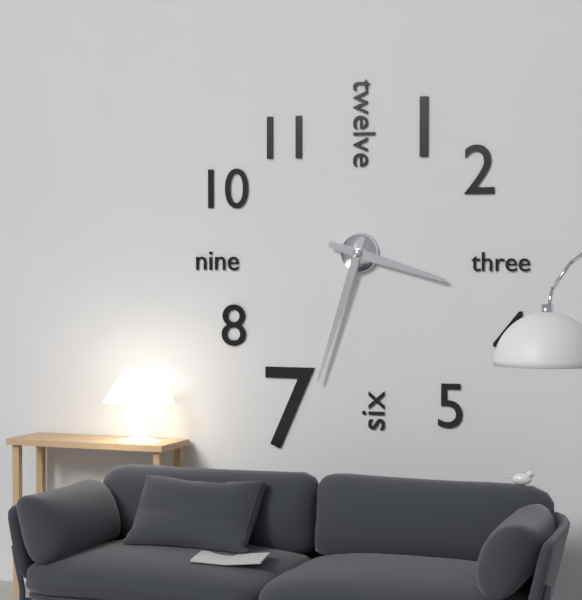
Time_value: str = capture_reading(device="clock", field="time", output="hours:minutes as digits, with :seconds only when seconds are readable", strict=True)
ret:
3:33
